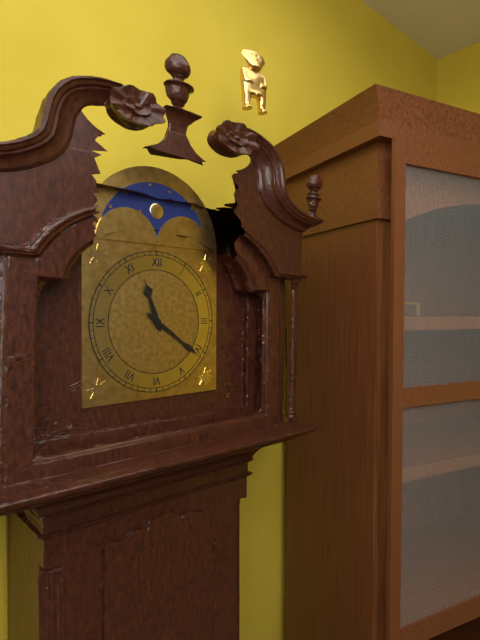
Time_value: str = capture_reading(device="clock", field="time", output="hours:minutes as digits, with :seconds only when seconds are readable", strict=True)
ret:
11:21
